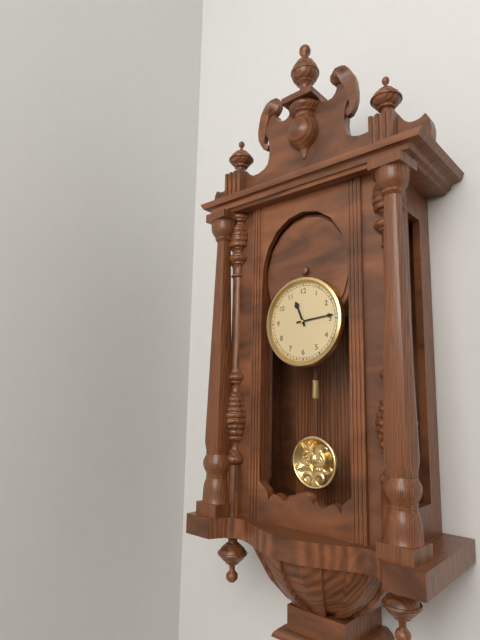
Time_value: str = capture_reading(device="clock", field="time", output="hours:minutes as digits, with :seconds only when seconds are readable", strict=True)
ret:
11:14
